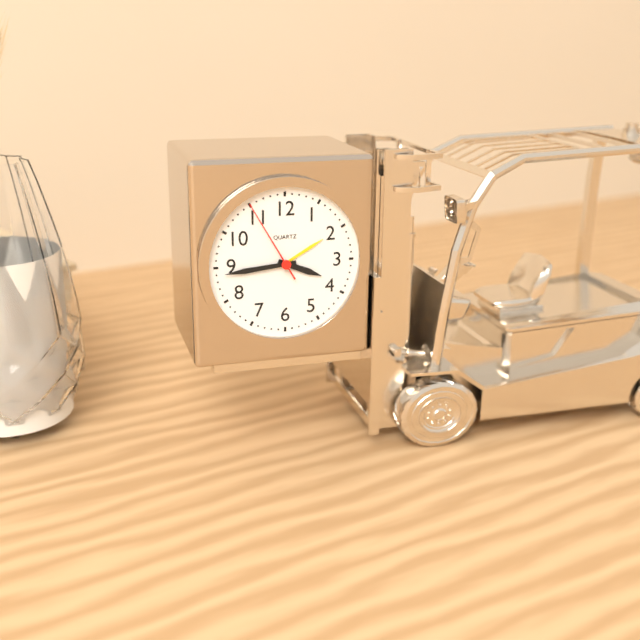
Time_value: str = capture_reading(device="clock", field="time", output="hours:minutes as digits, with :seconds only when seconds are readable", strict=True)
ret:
3:44:55
